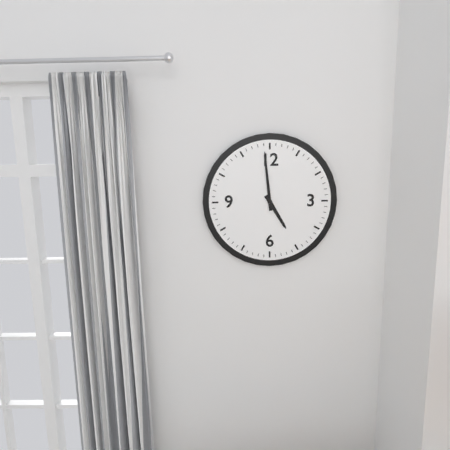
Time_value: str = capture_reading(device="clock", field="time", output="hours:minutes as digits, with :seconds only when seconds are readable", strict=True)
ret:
4:59
